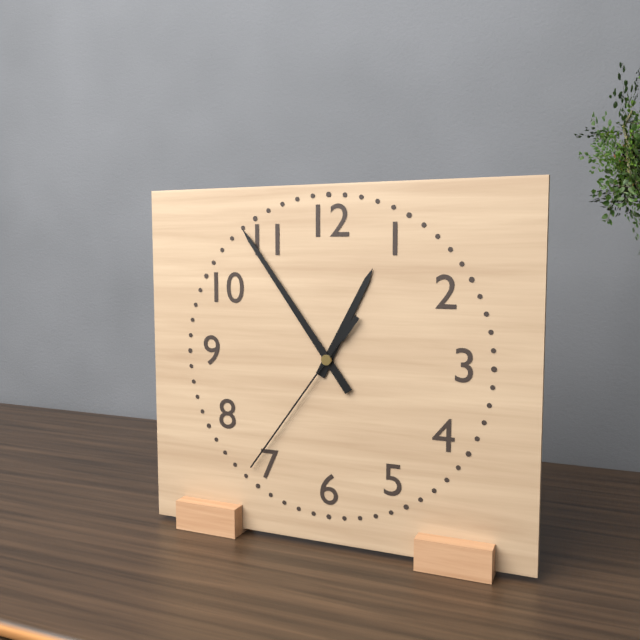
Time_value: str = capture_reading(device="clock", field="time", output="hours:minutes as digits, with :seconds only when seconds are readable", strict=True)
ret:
12:54:36
